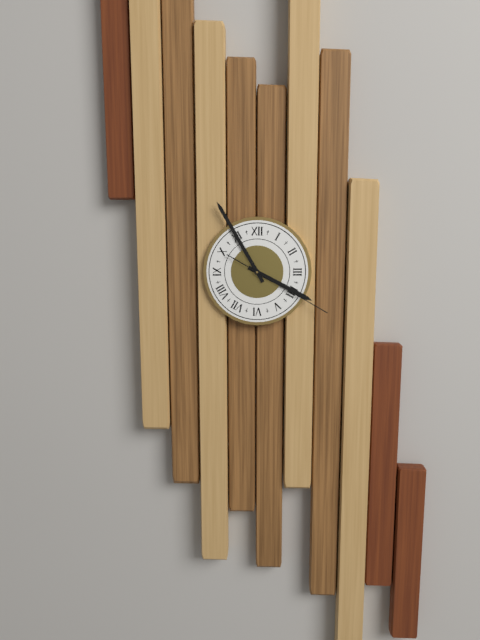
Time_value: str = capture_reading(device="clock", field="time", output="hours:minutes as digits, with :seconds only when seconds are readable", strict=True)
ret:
3:55:20
